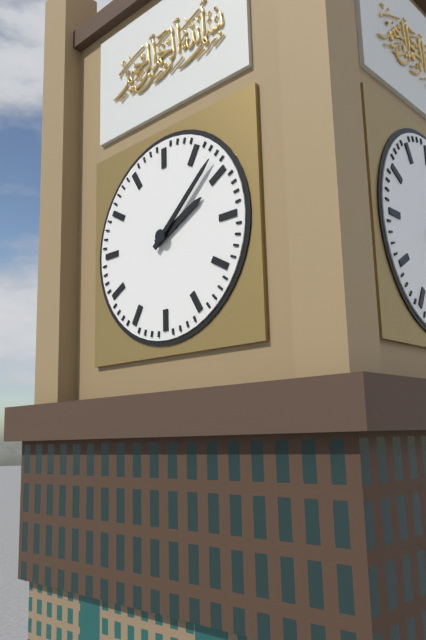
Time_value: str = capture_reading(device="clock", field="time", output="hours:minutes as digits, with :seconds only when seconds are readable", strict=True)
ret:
2:08
